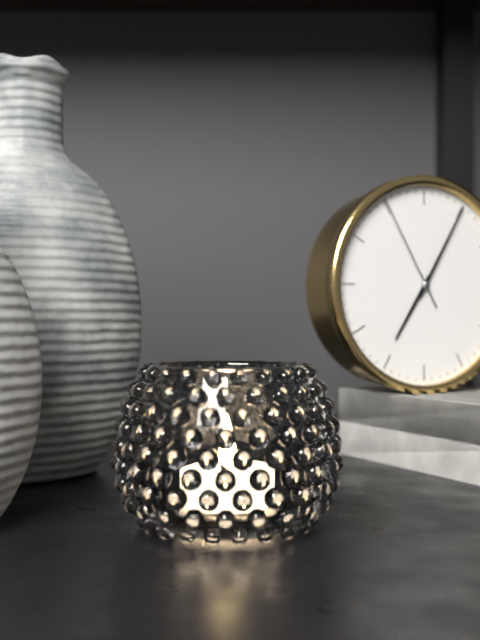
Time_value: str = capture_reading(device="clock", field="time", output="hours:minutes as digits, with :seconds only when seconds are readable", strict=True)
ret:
7:05:55
